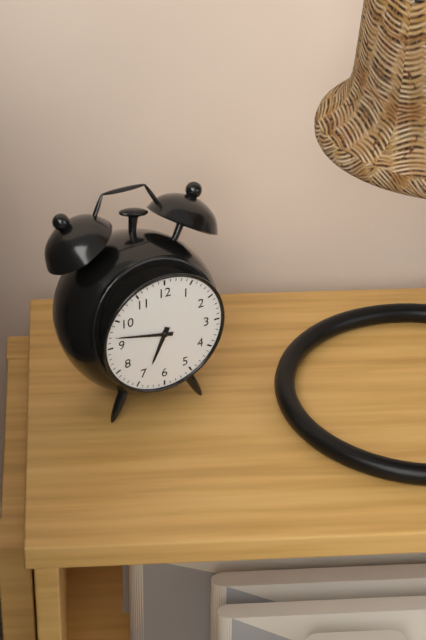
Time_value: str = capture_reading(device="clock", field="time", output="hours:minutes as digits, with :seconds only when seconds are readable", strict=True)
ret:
6:47
